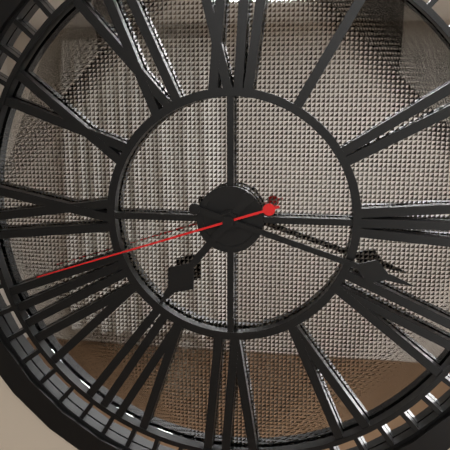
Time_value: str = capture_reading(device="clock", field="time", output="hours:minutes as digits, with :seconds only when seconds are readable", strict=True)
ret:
7:18:42
